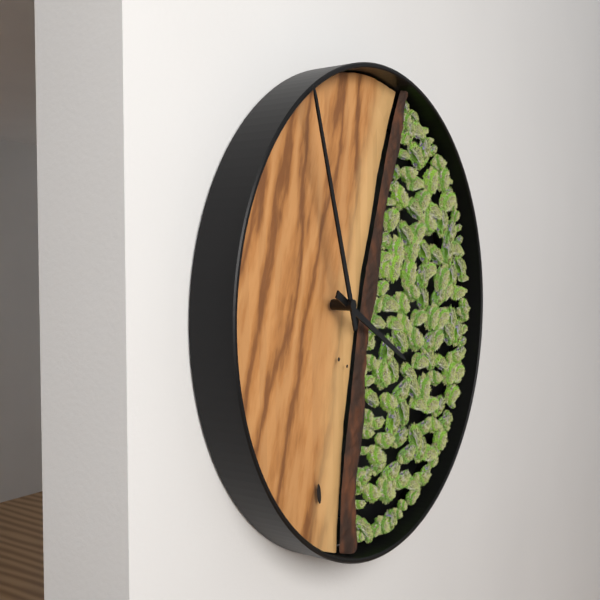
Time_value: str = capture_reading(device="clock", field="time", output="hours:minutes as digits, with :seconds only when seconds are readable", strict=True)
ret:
3:57
